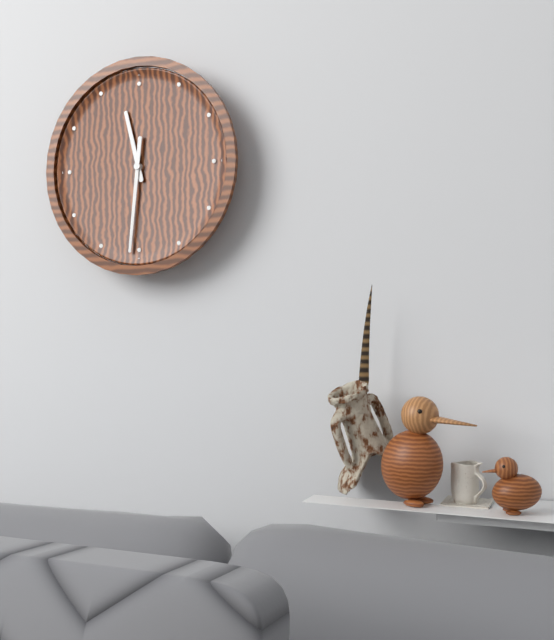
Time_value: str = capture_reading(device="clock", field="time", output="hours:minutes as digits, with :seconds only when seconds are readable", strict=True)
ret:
11:31
